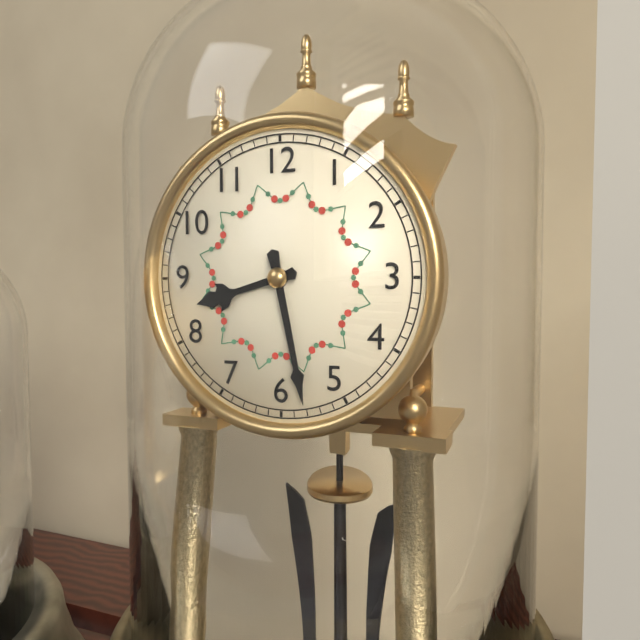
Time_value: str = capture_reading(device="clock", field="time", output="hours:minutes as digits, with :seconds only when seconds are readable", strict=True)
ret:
8:28
